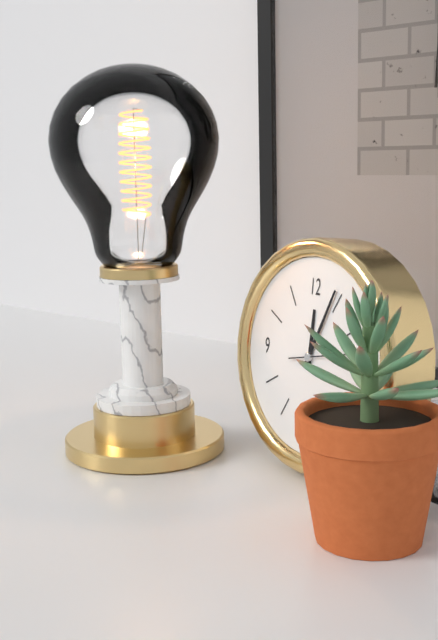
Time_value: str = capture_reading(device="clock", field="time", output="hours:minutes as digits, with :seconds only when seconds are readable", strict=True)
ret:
12:04
